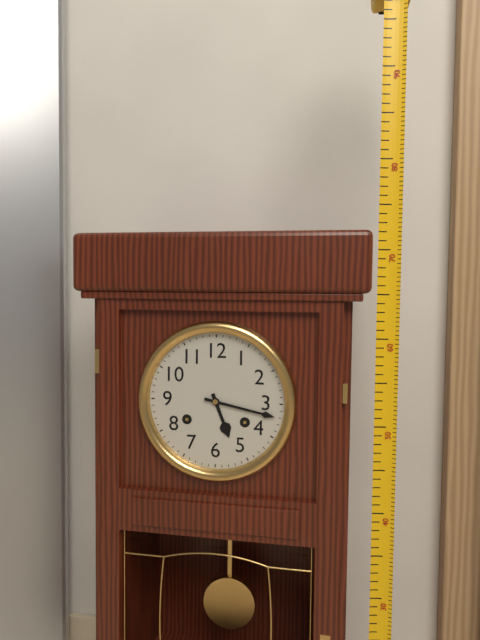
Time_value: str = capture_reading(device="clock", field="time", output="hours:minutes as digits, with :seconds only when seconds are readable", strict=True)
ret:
5:17
